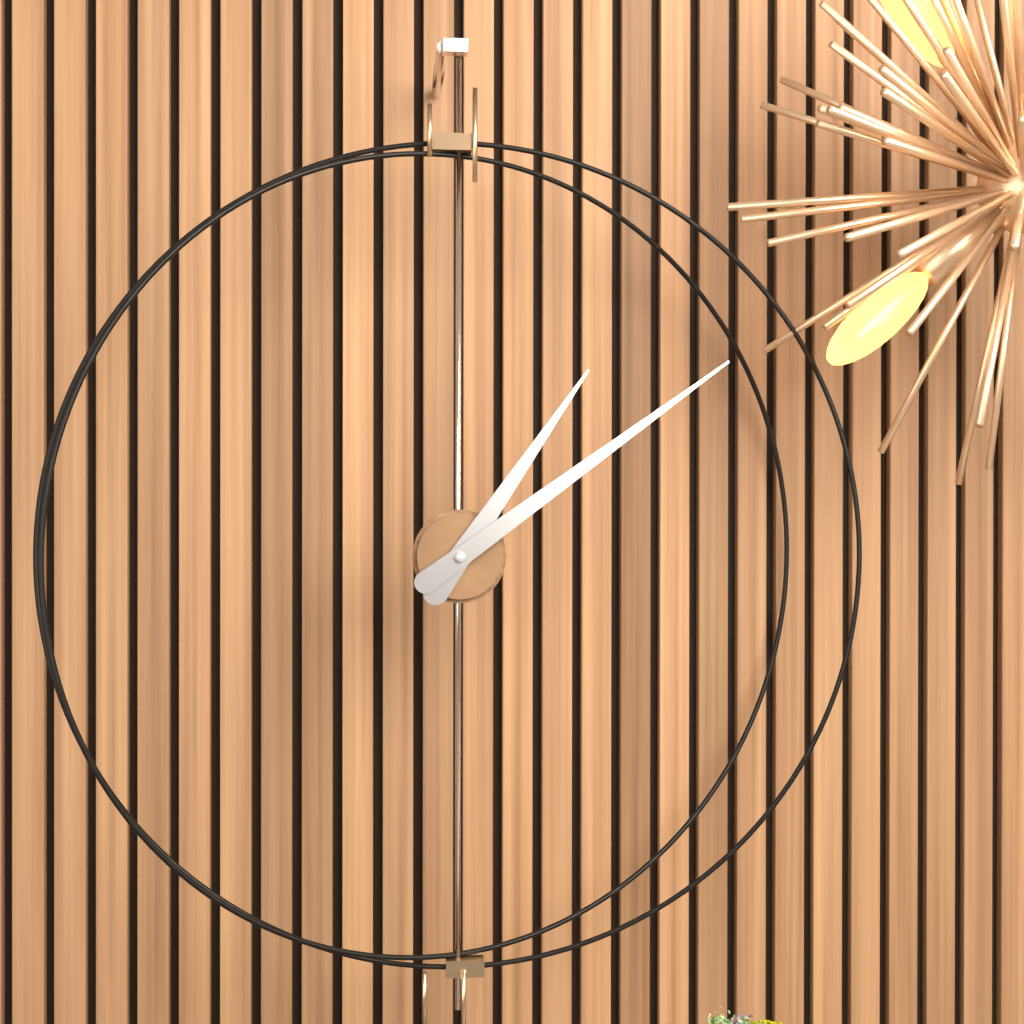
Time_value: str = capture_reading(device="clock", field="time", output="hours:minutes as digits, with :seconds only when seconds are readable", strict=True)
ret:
1:09
